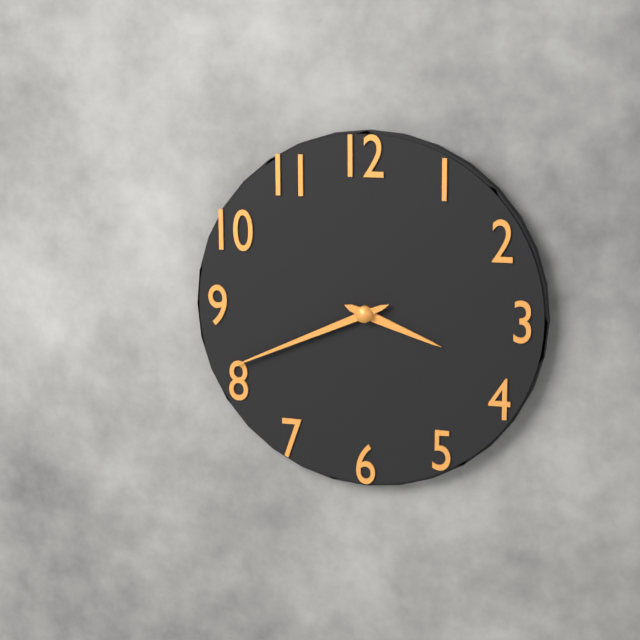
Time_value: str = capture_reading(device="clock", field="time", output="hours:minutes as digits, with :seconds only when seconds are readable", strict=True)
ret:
3:41
